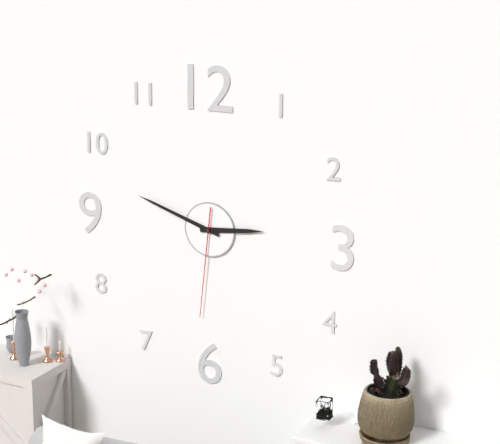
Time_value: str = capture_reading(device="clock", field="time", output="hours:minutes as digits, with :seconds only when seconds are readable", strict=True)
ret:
2:48:31
